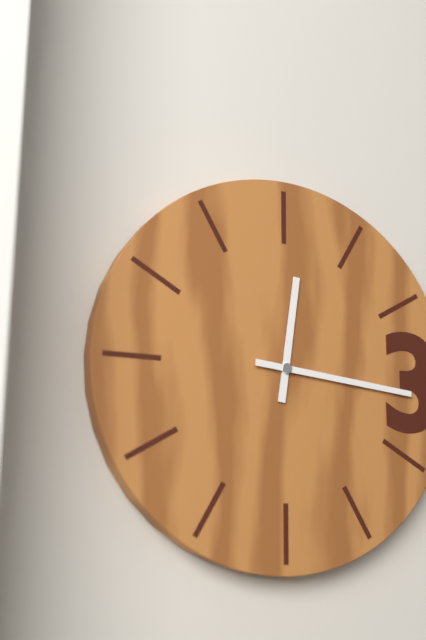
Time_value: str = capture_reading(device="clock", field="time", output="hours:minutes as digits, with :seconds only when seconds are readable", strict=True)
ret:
12:16
